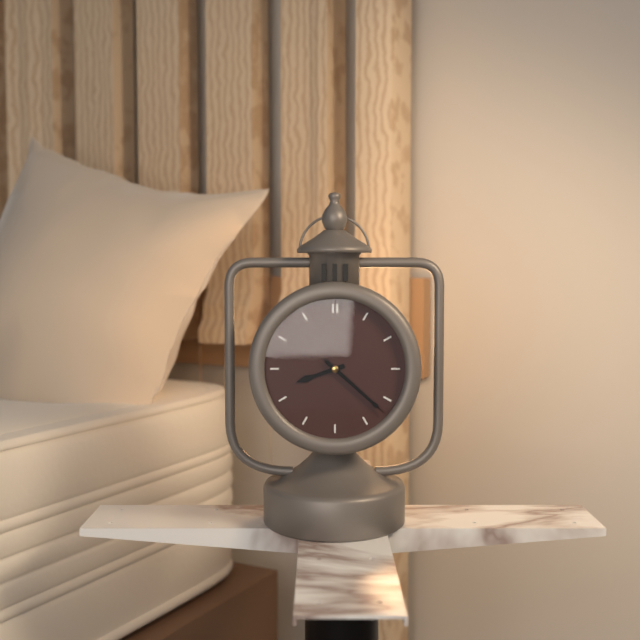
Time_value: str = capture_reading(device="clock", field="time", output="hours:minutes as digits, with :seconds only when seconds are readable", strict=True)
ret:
8:22:22
